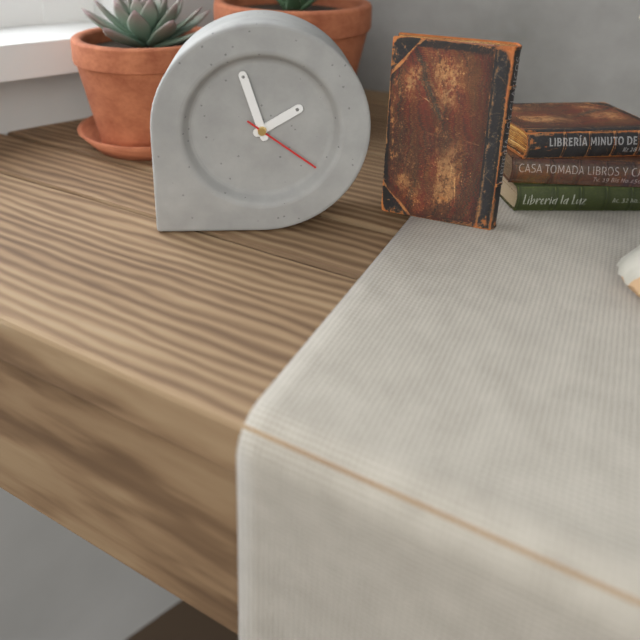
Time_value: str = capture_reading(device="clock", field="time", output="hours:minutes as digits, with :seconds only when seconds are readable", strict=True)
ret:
1:57:21
